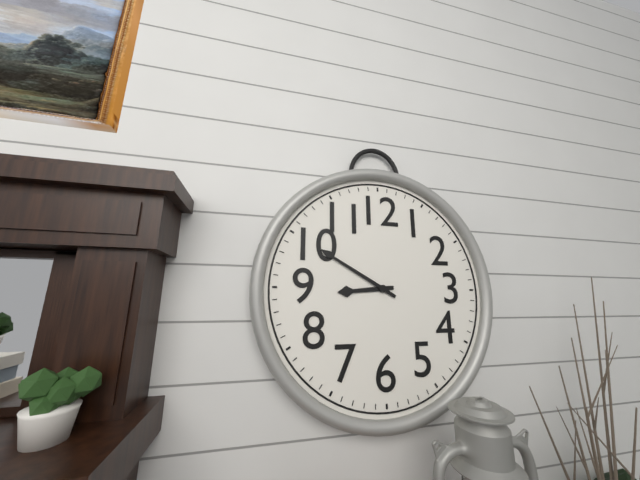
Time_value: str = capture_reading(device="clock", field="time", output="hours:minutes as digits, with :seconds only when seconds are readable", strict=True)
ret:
8:50
